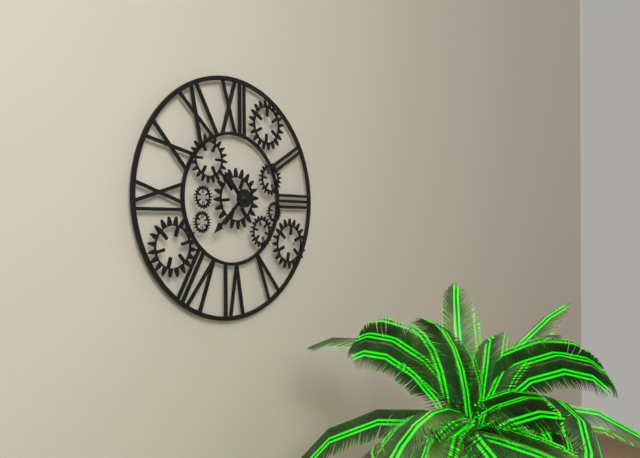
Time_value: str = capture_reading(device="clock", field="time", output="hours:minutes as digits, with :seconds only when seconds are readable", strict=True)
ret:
10:38
